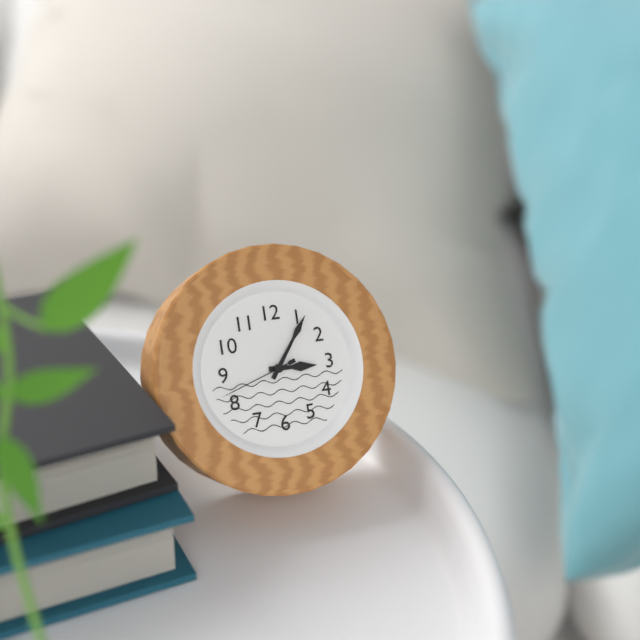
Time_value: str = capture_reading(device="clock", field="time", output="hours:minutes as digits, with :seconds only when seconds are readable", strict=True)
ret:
3:06:42
